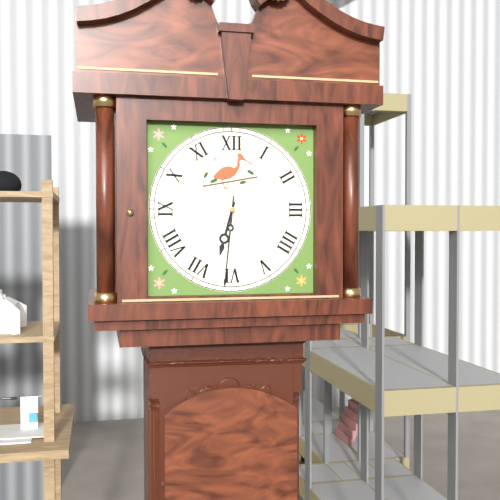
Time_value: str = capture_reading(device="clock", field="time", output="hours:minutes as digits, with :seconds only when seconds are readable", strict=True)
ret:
6:31
